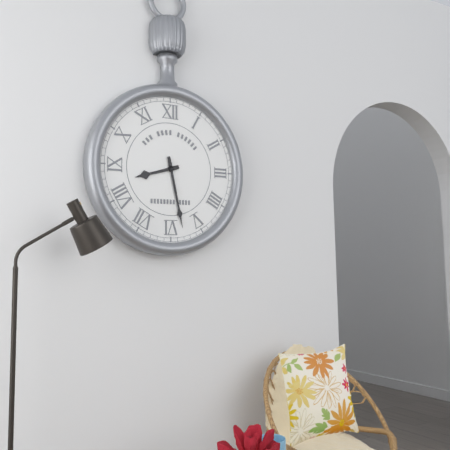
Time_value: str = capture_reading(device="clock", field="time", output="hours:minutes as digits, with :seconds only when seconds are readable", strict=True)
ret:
8:28
